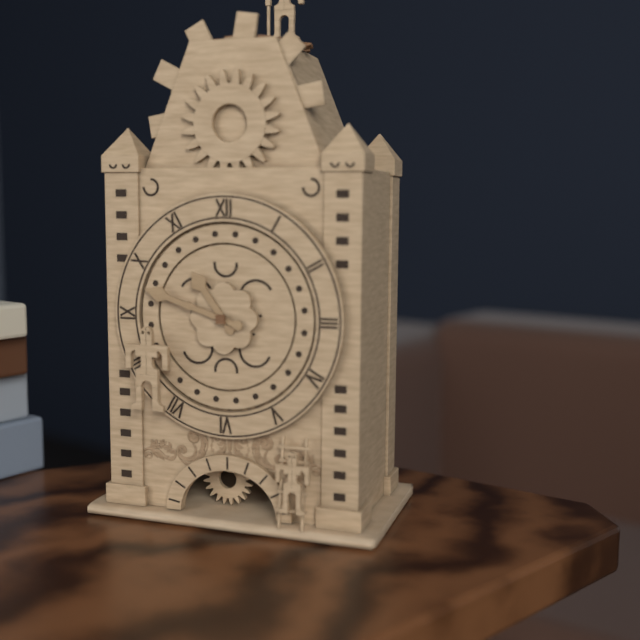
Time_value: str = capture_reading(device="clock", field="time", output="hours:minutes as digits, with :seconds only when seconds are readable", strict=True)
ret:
10:48
